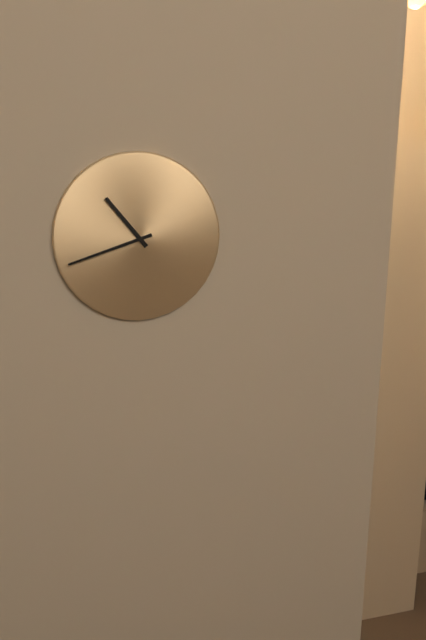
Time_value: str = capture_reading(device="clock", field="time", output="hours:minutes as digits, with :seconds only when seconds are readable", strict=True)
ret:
10:42
